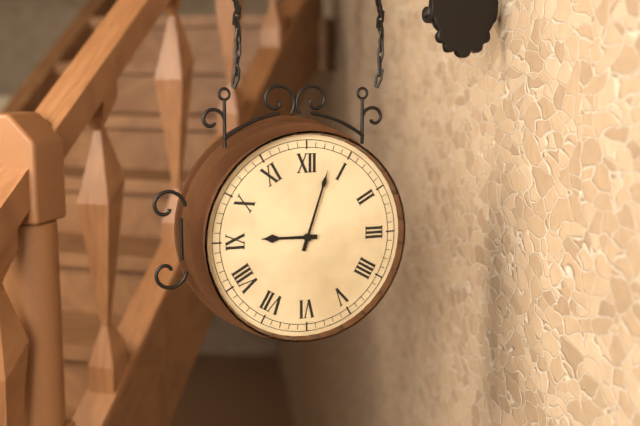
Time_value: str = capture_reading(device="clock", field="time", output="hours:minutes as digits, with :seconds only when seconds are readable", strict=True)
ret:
9:03
